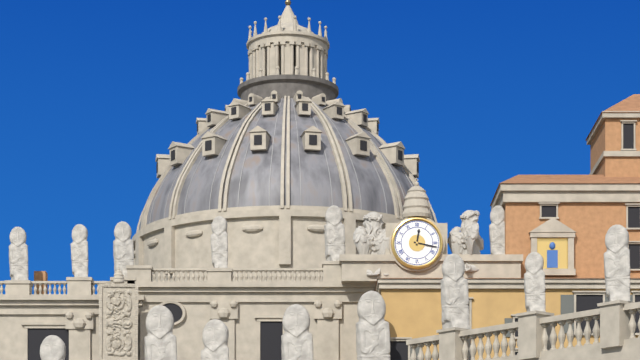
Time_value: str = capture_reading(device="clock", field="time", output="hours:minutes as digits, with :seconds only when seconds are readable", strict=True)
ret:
12:17
